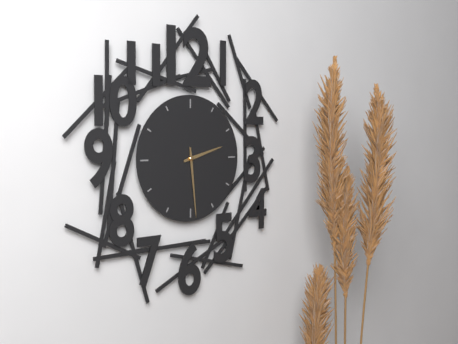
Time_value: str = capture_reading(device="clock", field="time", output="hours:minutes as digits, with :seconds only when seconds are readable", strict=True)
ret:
2:29
